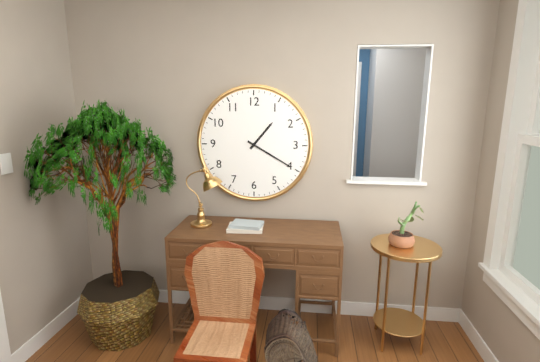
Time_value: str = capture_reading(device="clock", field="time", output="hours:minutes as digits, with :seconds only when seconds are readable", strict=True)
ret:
1:20
